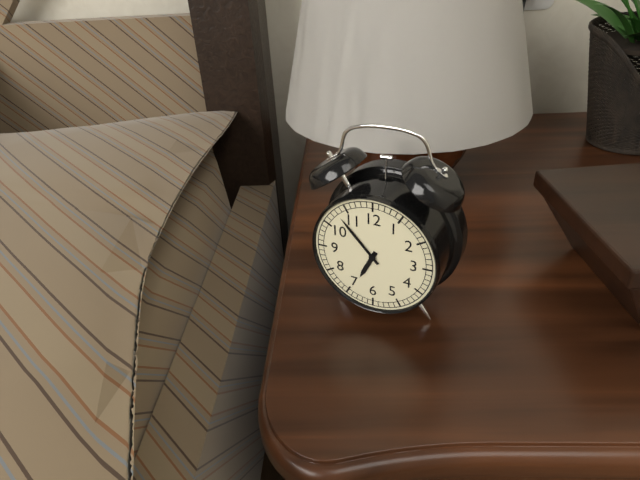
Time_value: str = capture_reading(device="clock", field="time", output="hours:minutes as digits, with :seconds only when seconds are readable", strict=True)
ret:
6:53
